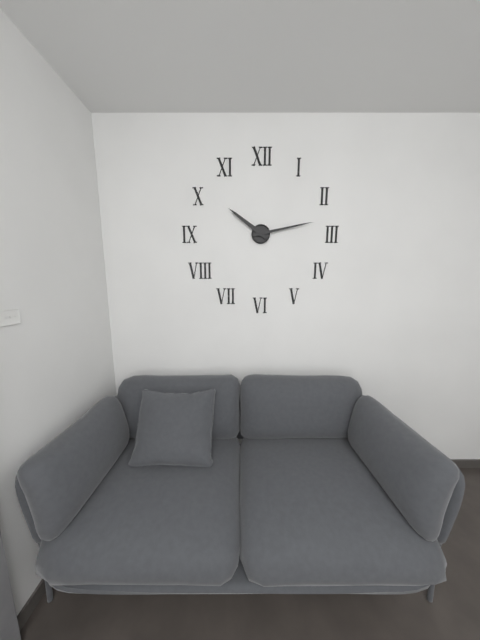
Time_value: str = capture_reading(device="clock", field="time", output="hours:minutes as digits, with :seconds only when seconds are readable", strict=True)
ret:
10:13
